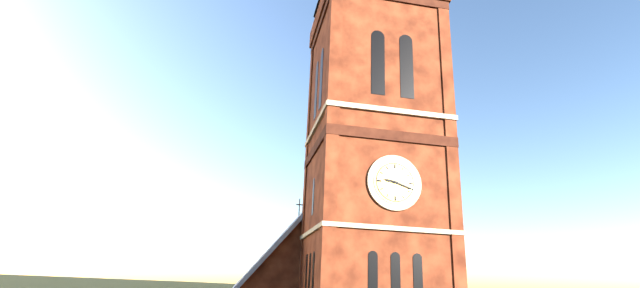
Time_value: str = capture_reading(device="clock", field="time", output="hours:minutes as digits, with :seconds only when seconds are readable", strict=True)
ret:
9:18
